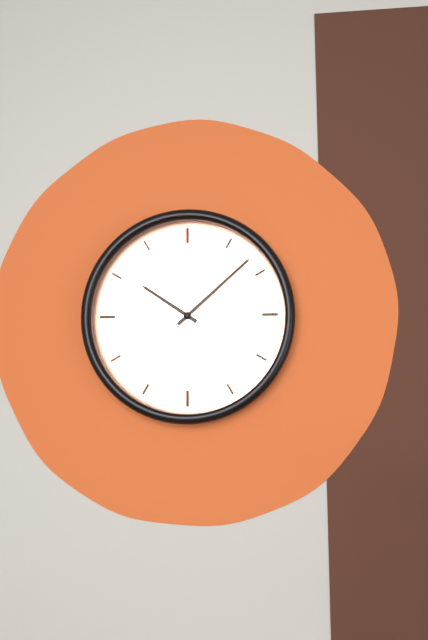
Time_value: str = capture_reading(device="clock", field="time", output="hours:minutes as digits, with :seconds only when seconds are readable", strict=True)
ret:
10:08
